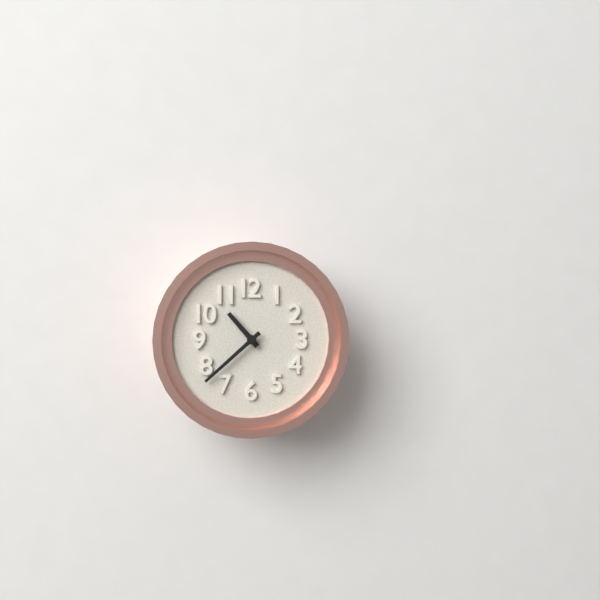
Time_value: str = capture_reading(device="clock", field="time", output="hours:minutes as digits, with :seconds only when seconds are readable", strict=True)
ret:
10:38
